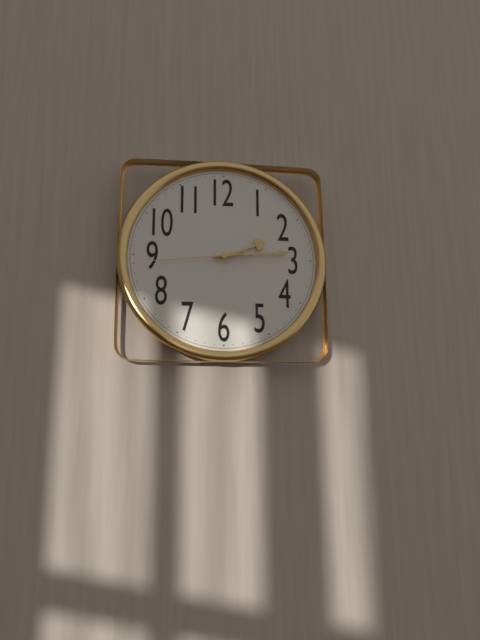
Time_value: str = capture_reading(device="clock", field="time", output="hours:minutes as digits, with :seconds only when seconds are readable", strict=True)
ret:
2:14:44
